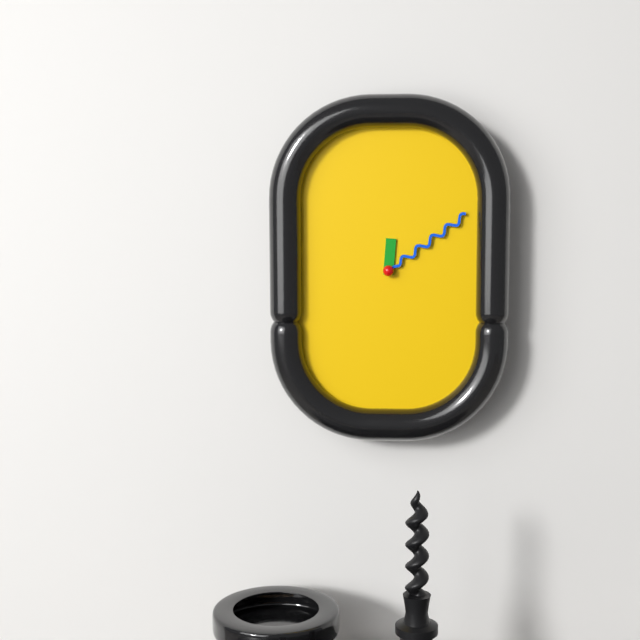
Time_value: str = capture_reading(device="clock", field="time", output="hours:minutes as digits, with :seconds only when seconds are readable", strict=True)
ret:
12:09
